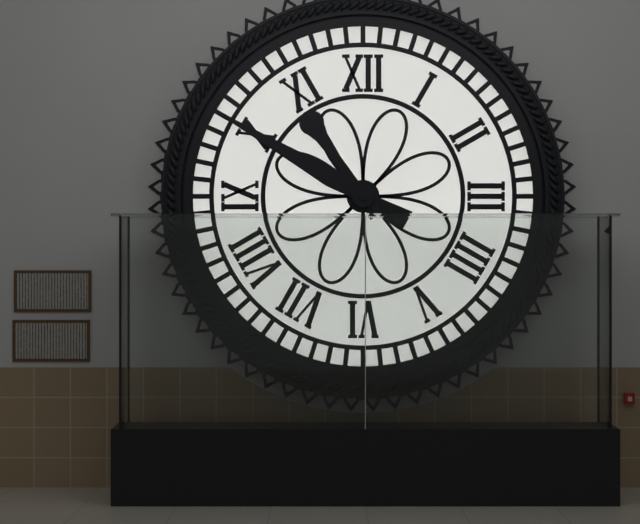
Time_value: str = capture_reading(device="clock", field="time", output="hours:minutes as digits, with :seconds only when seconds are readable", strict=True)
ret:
10:50
